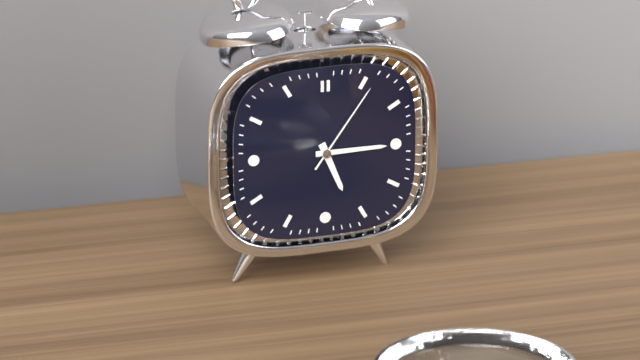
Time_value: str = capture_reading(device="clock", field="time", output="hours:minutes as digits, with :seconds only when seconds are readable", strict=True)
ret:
5:15:06
